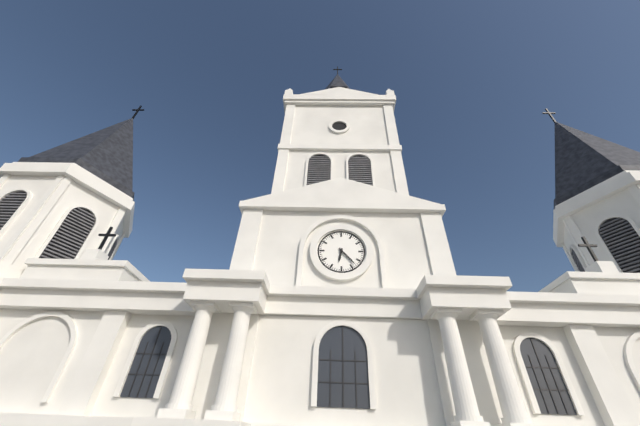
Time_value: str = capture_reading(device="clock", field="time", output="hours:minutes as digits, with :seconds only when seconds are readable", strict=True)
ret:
6:23
